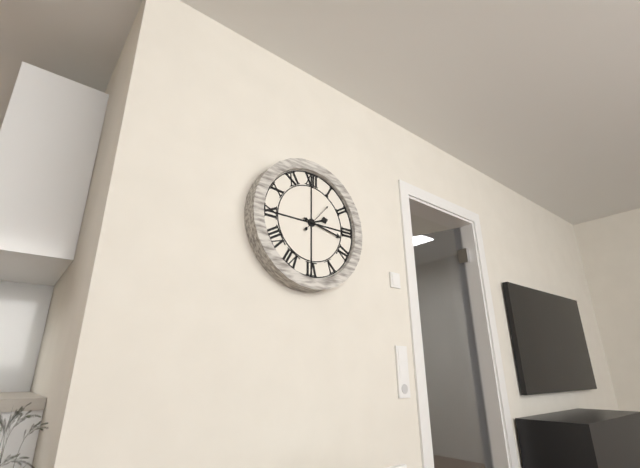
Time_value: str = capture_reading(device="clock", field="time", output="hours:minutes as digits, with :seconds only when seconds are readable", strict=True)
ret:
2:17
